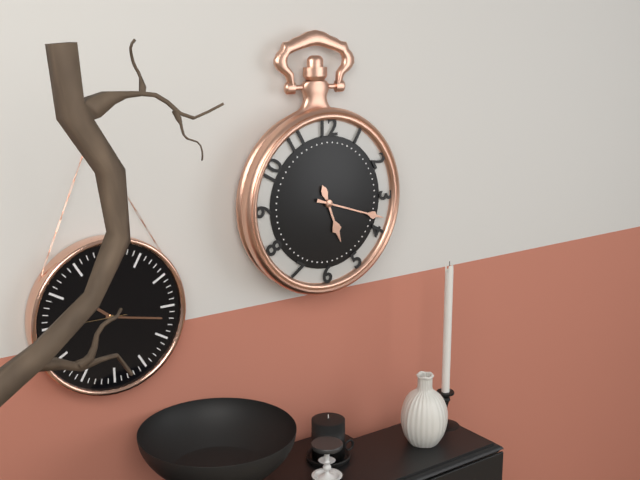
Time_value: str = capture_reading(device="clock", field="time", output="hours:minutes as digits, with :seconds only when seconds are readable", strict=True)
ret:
5:18
